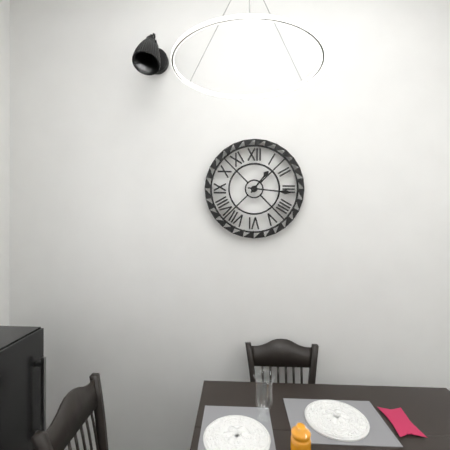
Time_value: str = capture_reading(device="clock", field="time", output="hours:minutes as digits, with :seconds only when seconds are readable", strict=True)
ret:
1:16
